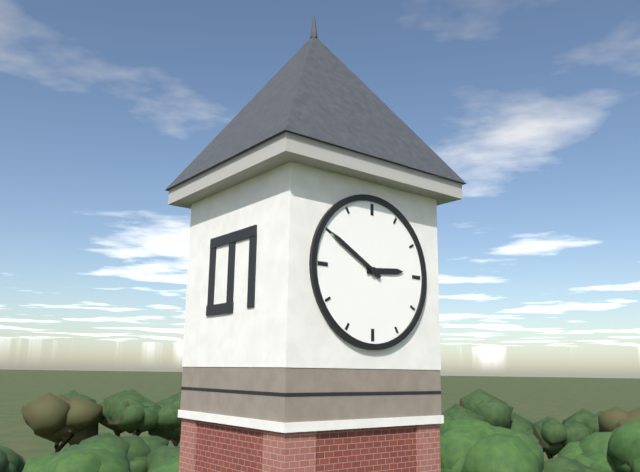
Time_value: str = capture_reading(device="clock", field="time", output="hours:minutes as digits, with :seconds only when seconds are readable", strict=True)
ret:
2:50
